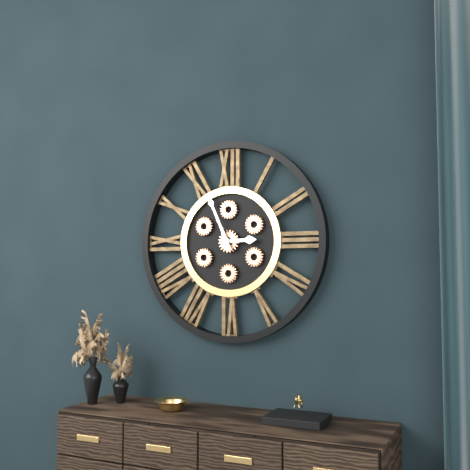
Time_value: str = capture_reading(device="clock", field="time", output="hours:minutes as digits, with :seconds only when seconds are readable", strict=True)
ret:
2:56
